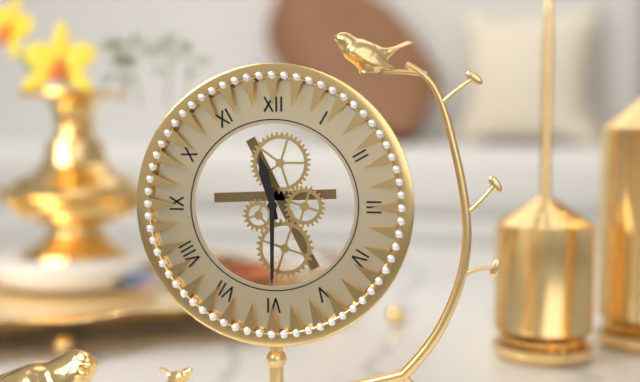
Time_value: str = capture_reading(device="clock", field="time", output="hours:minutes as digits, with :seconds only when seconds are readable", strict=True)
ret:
11:30
